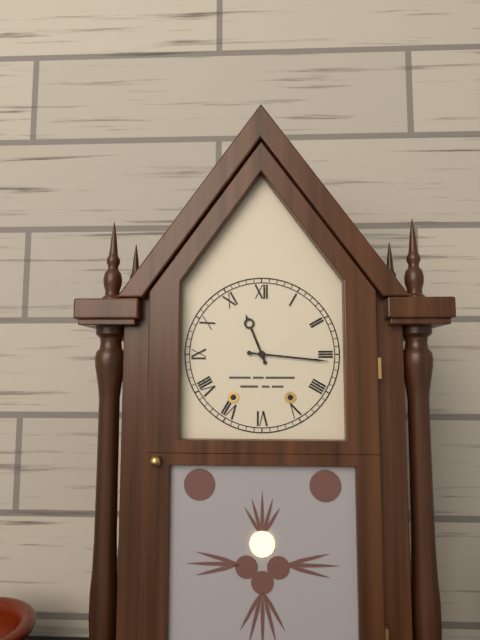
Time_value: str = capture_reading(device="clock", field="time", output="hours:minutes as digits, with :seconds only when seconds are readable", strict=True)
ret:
11:16
